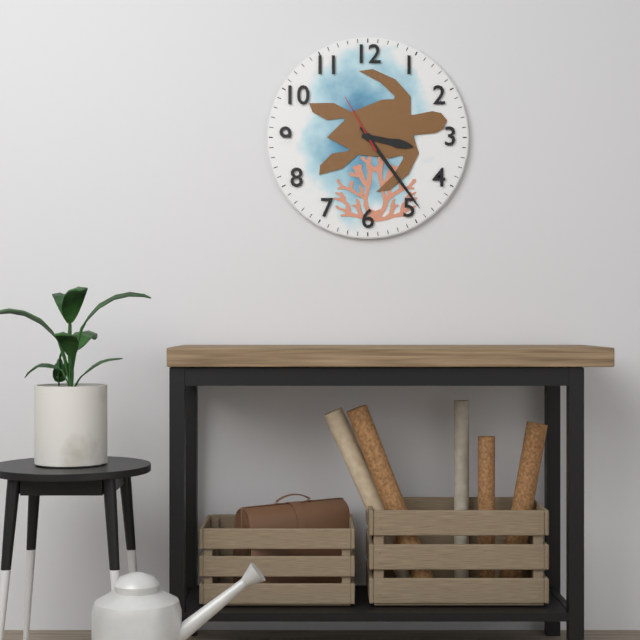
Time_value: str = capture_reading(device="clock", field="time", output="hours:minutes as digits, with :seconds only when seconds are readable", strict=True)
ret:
3:24:55
